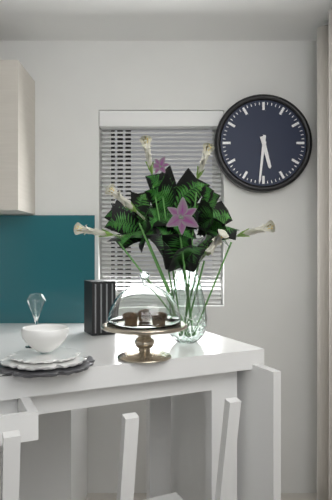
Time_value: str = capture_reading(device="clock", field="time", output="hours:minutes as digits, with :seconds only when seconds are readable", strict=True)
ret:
5:31
